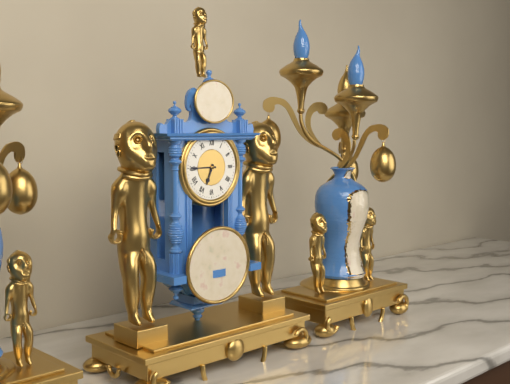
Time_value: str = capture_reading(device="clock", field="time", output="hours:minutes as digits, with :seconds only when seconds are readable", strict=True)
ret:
6:45
